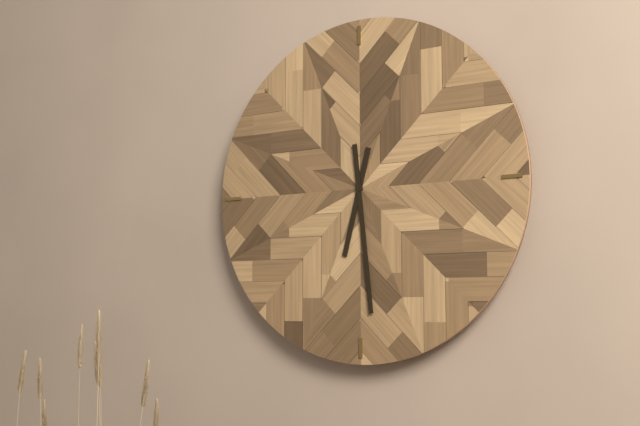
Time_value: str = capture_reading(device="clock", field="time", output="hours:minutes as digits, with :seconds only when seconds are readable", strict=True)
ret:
6:29
